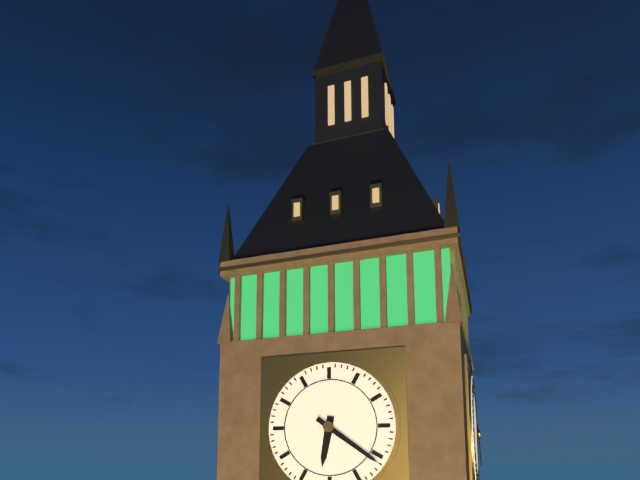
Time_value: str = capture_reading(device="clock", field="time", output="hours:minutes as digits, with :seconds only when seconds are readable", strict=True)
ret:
6:21
